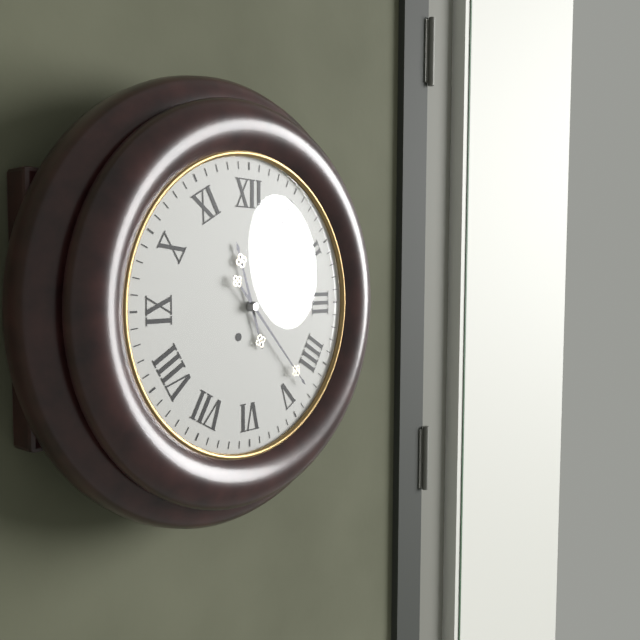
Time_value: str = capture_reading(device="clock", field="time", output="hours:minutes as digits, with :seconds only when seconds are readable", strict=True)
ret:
11:23
